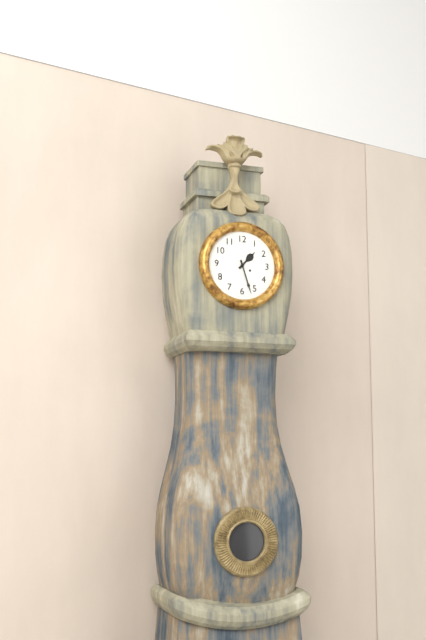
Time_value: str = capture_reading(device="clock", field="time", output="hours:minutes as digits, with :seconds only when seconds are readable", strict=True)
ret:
1:27
